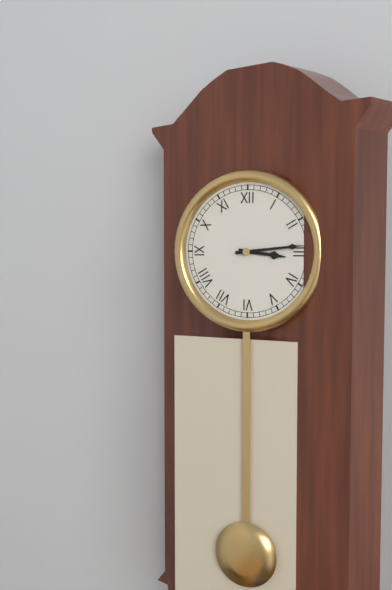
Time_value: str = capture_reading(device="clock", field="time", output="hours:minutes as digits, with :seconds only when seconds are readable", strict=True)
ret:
3:14
